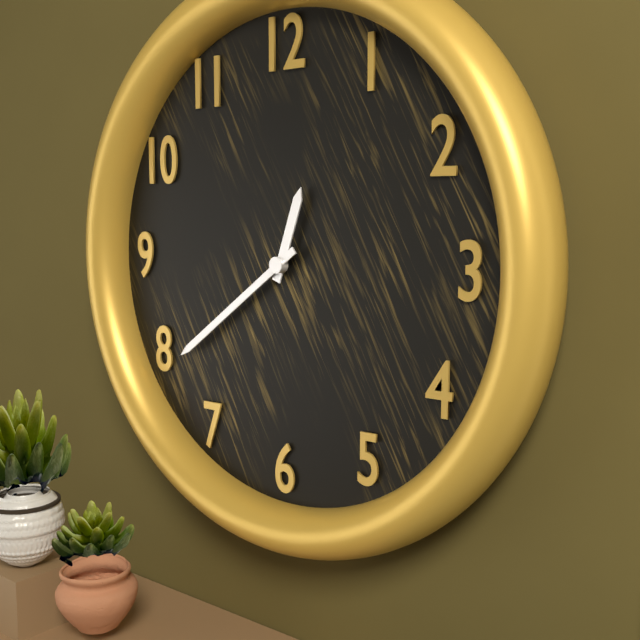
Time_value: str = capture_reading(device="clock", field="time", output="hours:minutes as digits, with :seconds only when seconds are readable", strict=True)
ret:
12:39
